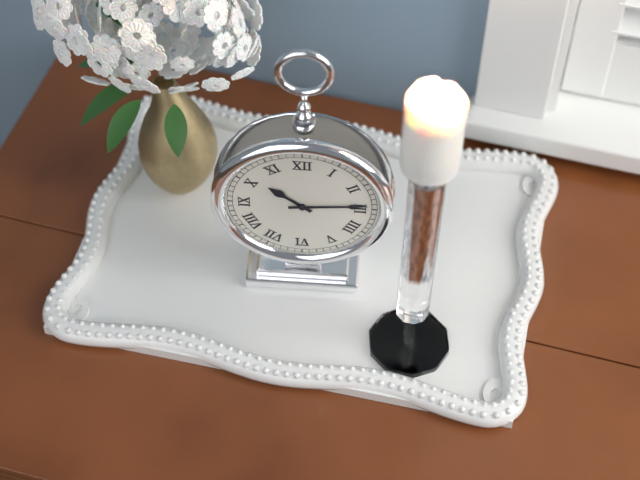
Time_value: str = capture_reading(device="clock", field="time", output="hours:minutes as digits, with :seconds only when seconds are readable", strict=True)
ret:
10:14
